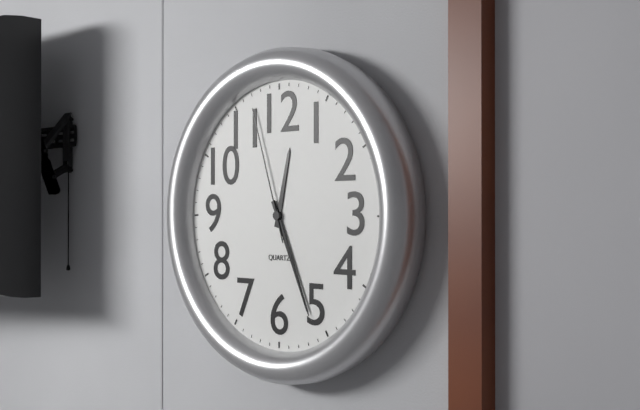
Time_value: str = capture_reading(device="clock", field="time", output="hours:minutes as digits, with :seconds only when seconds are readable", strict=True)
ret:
12:26:57
